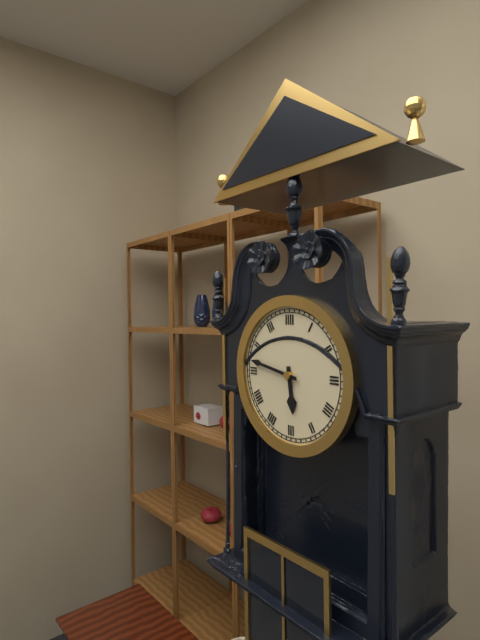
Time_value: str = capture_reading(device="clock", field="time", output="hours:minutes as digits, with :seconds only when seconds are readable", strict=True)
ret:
5:47
